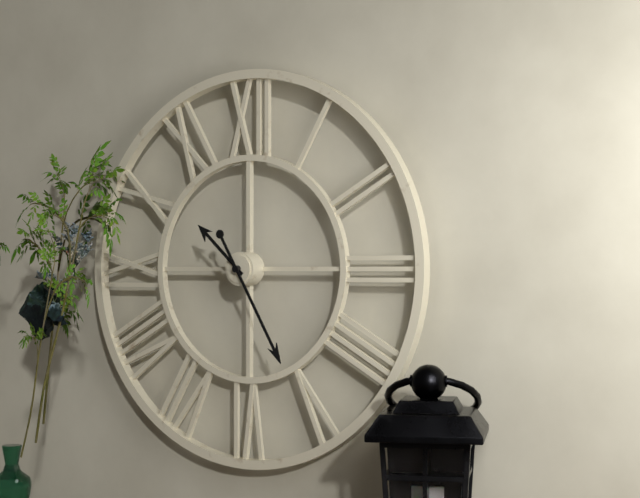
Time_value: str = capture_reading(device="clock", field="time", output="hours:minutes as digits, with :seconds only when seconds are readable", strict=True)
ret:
10:25
